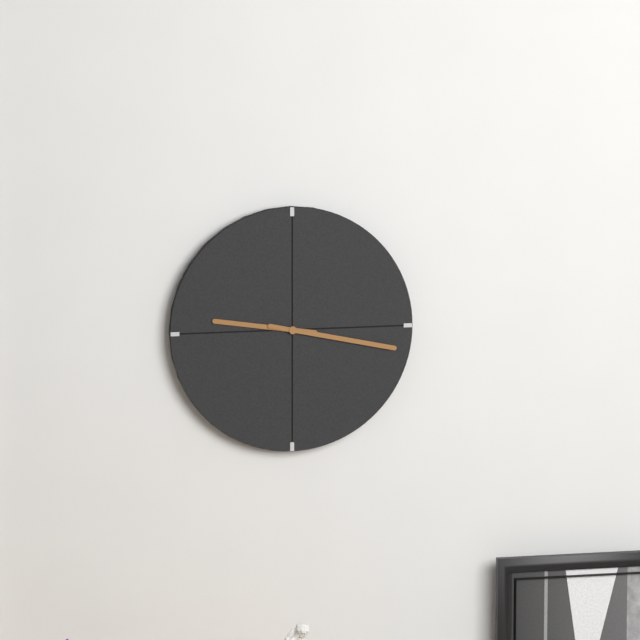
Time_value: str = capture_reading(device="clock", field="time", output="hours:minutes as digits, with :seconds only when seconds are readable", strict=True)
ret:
9:17
